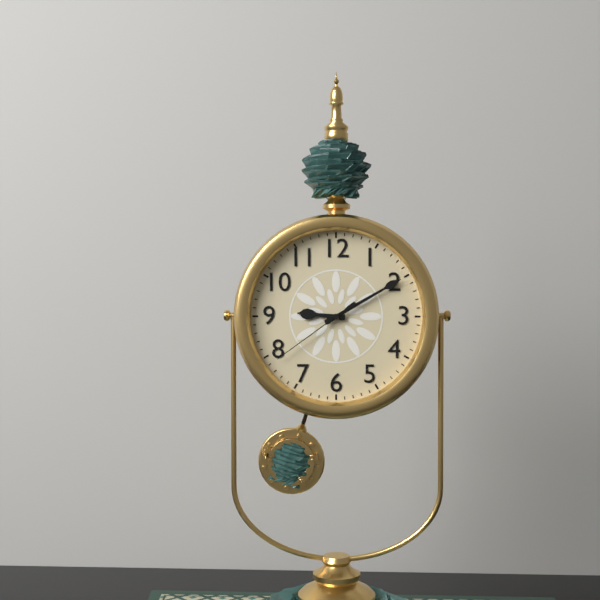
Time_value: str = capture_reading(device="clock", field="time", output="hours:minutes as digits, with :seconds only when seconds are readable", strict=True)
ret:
9:10:39
